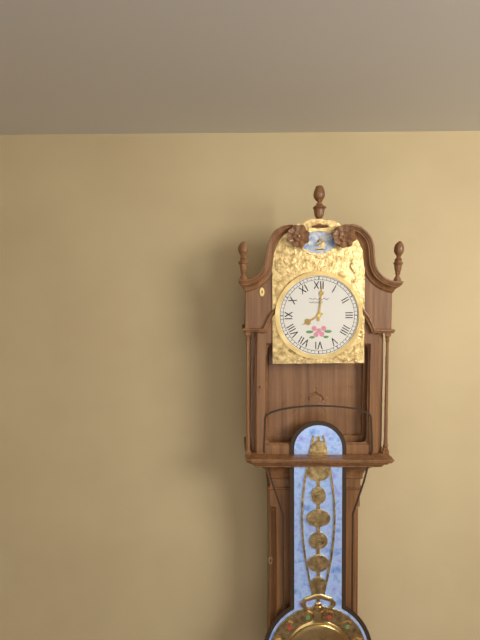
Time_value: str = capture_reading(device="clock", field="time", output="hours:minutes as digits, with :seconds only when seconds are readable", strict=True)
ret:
8:01
